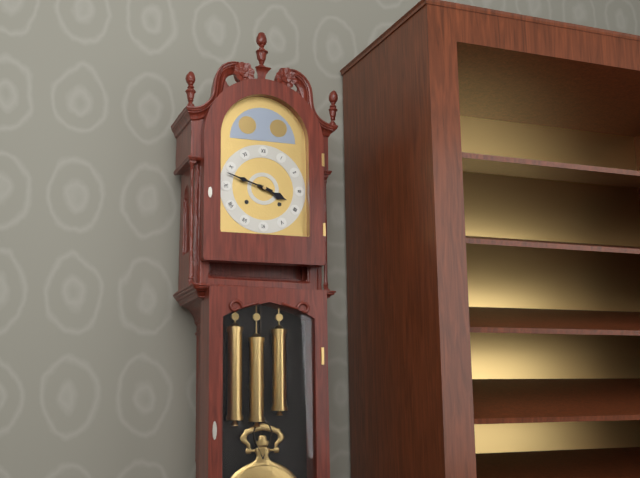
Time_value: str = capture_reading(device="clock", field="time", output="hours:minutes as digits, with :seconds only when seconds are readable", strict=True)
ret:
3:48
